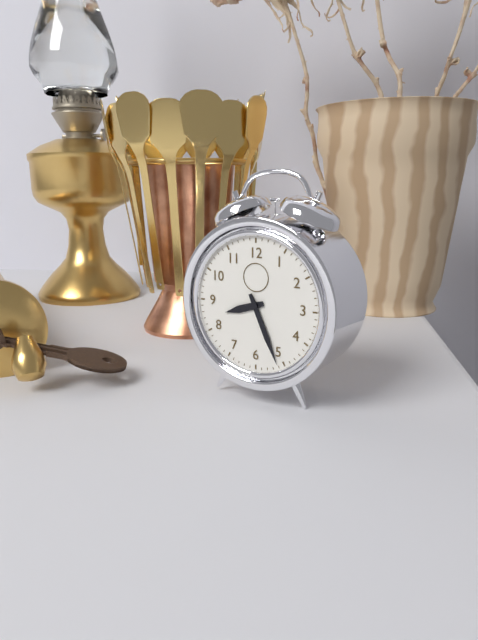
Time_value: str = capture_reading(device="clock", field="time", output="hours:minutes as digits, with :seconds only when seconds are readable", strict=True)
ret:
8:26
